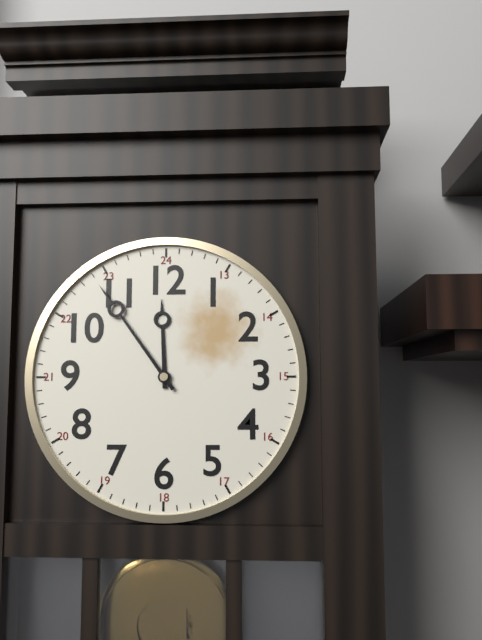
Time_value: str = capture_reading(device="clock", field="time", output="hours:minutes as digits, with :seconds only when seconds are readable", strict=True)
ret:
11:54
